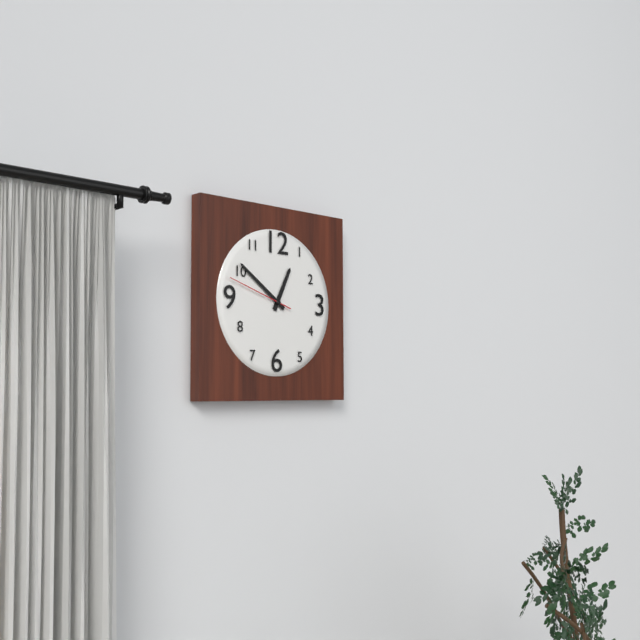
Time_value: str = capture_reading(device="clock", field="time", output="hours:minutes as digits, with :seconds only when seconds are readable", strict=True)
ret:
12:51:48
